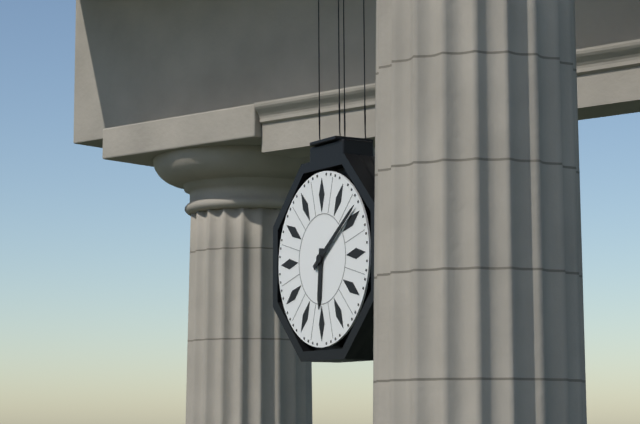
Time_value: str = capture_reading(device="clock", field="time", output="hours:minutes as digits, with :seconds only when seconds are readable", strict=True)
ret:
6:09
